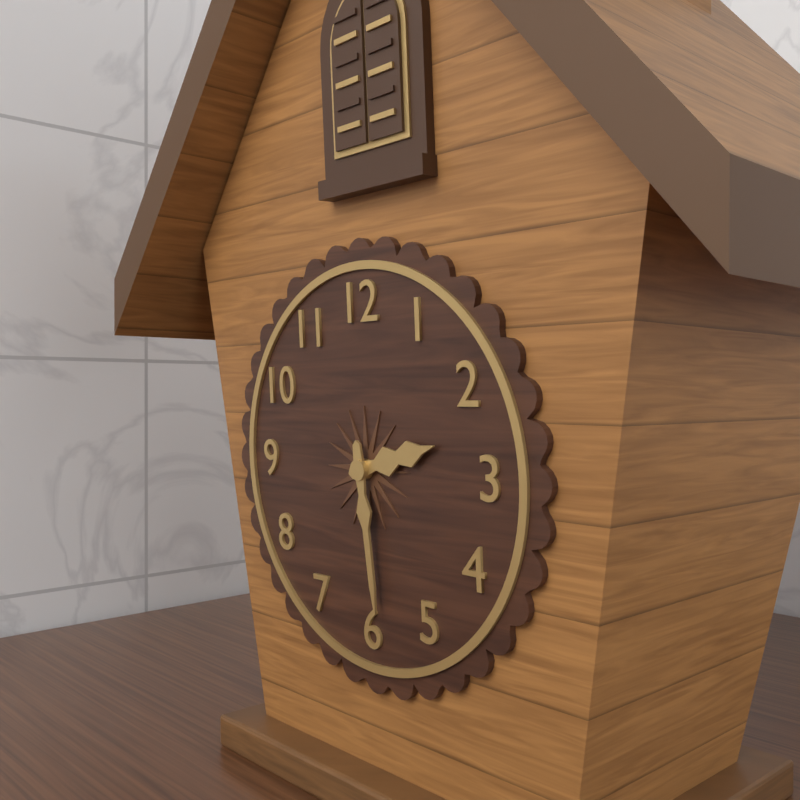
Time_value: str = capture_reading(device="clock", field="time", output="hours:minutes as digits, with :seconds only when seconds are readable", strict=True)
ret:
2:29
